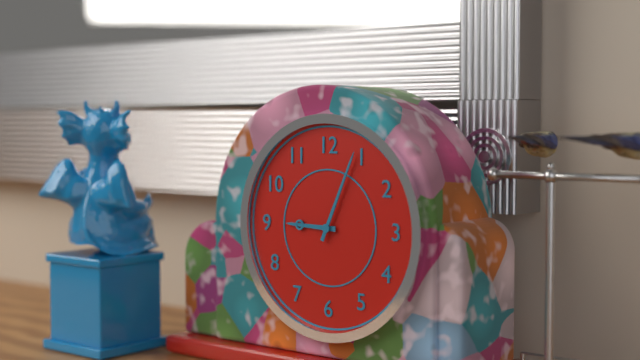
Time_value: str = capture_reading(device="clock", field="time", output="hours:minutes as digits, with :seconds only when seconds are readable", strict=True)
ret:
9:04
